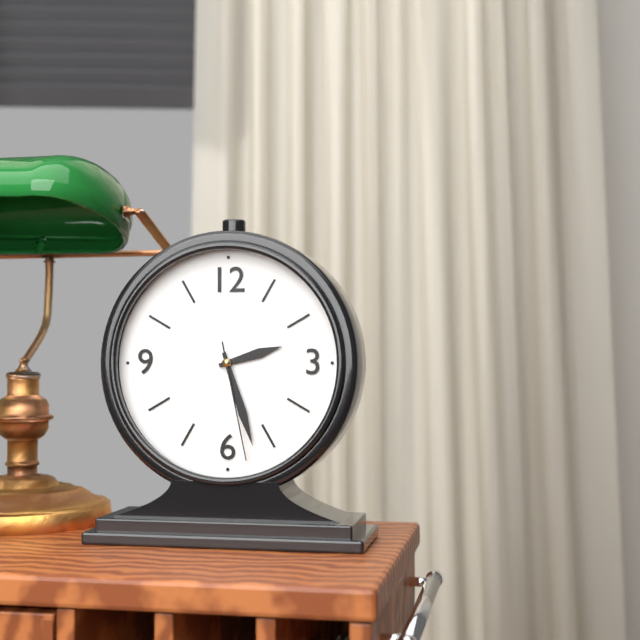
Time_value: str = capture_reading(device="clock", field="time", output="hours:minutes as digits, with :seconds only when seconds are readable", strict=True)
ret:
2:27:28
